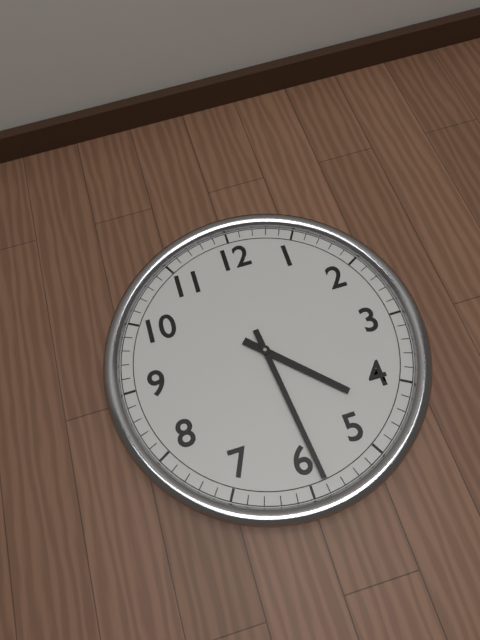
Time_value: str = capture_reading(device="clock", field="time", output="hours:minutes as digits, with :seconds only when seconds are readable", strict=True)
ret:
4:29
